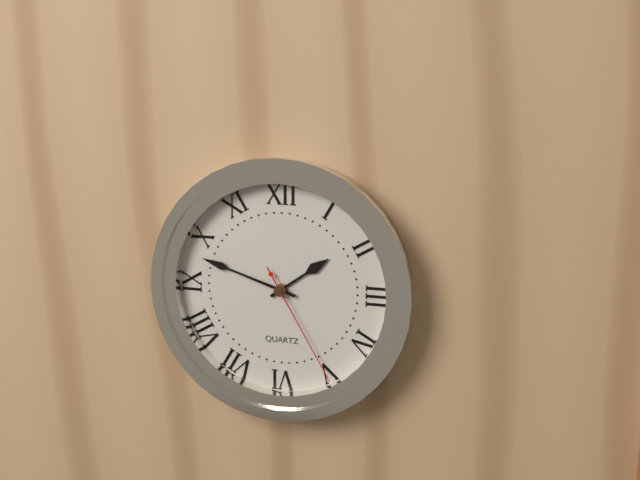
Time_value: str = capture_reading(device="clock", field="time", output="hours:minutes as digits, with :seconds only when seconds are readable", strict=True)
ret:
1:48:25
